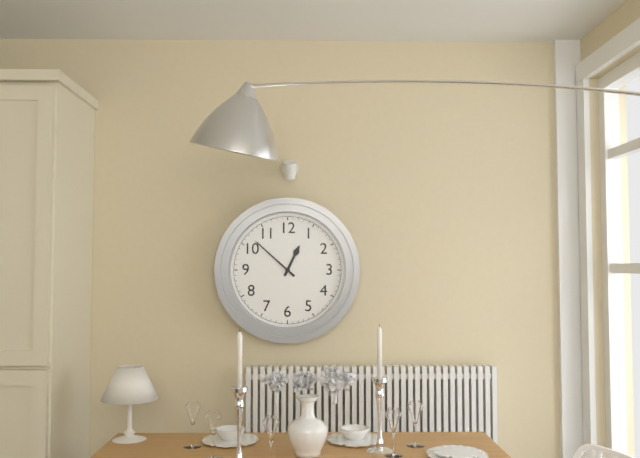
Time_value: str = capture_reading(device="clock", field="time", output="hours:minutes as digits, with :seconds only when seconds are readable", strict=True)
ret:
12:52
